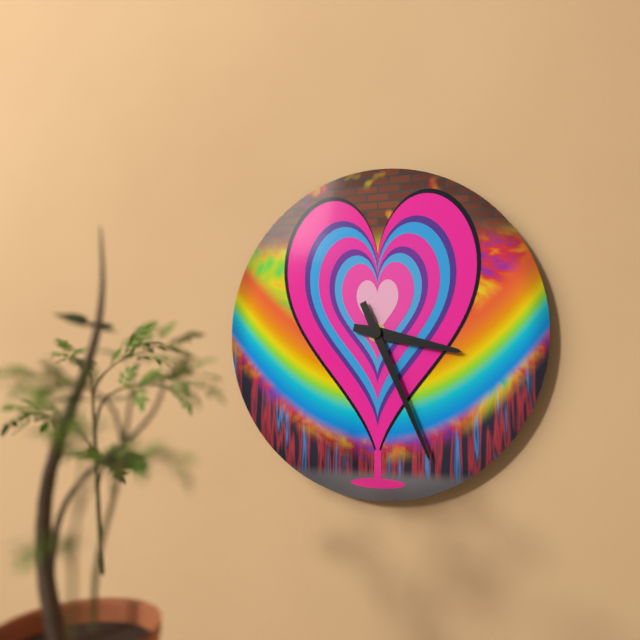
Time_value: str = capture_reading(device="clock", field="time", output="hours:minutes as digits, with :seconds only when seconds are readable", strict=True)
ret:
3:26
